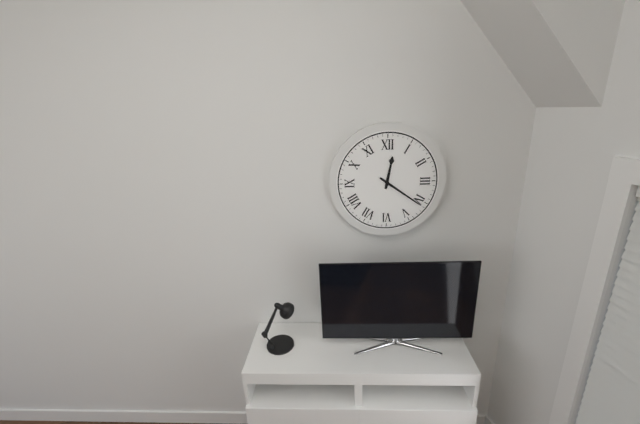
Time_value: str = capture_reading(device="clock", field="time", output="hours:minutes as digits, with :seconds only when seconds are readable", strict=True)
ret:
12:21
